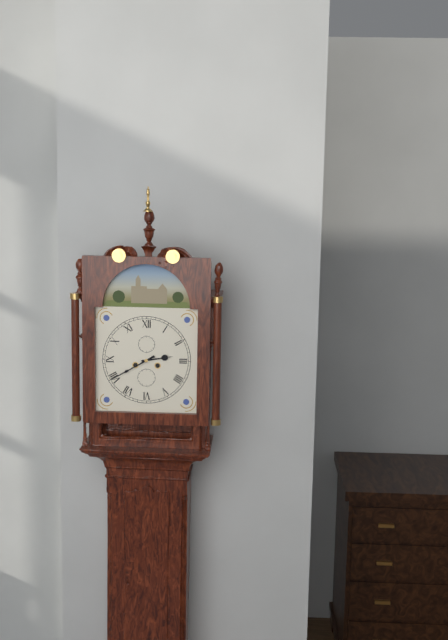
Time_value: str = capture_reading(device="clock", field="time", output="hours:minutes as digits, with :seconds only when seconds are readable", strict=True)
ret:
2:40
